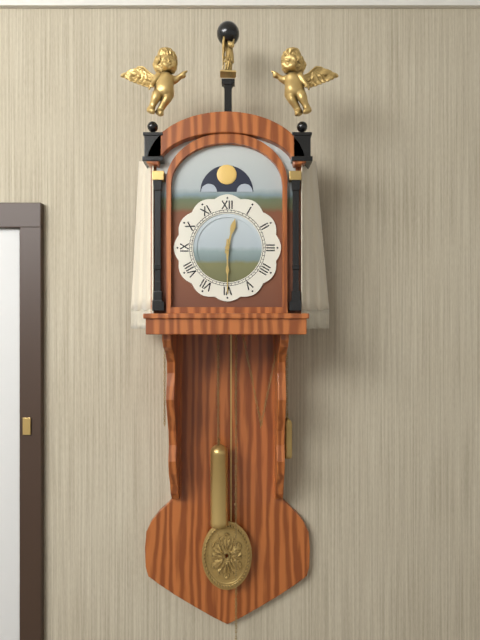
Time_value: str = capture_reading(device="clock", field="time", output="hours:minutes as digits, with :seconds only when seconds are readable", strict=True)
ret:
12:30
